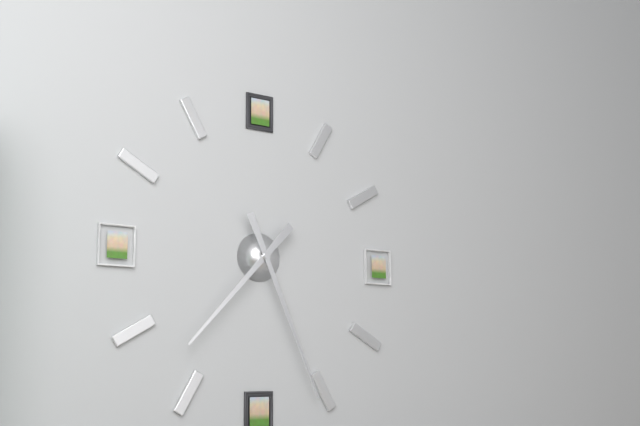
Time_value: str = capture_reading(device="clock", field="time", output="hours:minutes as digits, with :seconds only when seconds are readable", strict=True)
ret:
7:26
